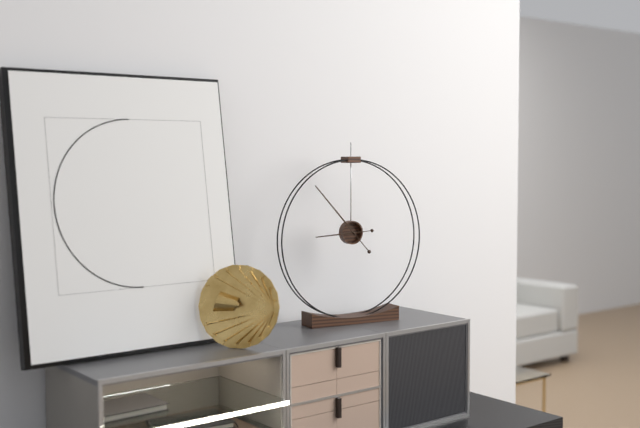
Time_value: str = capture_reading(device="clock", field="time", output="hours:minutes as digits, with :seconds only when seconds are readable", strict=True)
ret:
8:53
